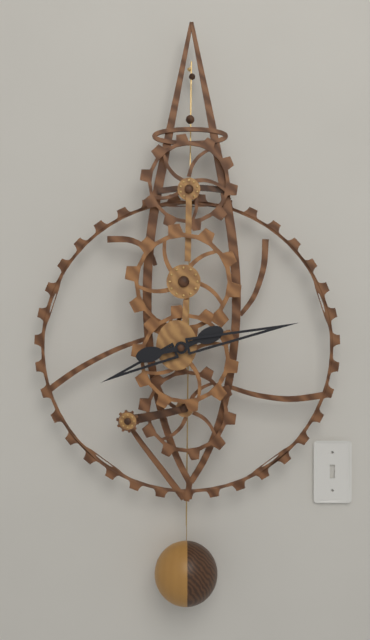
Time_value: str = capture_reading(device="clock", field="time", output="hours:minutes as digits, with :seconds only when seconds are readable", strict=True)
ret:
8:13
